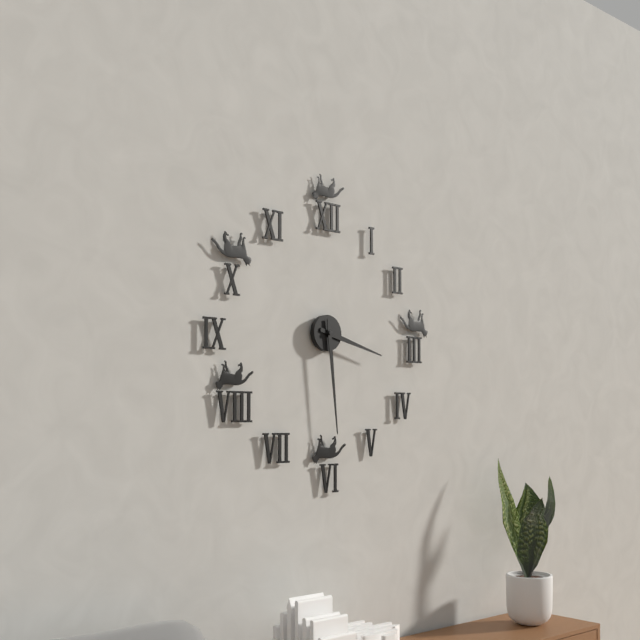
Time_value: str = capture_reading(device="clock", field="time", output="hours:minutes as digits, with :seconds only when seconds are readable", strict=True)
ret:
3:29
